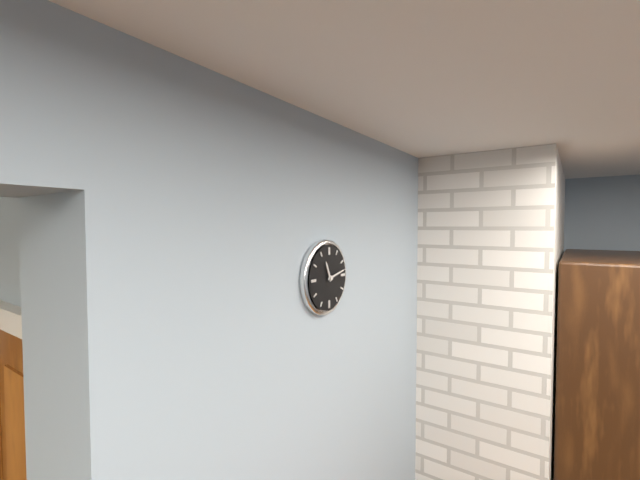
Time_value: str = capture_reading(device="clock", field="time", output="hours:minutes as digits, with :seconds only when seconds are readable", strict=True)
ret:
11:13
